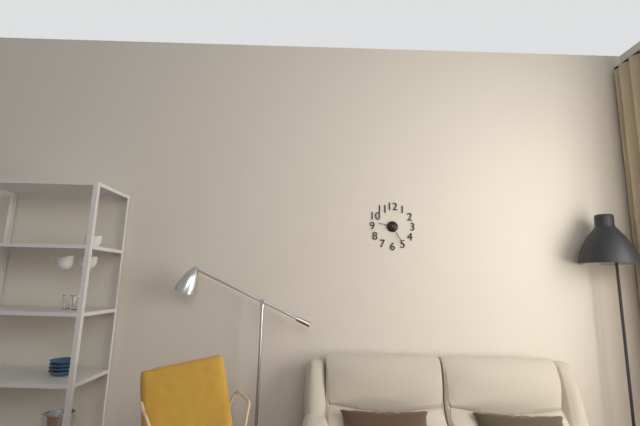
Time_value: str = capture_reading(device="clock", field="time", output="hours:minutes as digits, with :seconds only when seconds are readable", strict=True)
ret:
9:25
